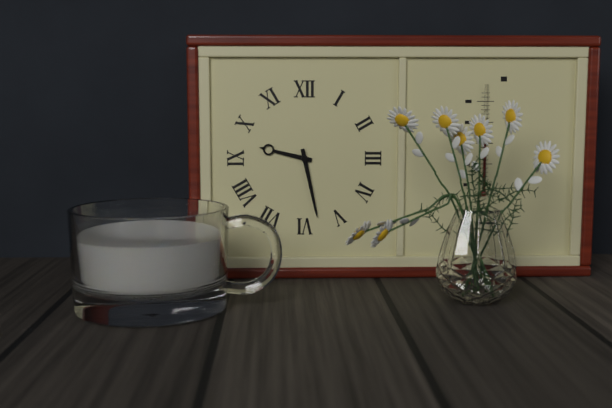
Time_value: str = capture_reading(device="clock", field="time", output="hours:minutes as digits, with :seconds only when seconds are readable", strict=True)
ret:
9:28
